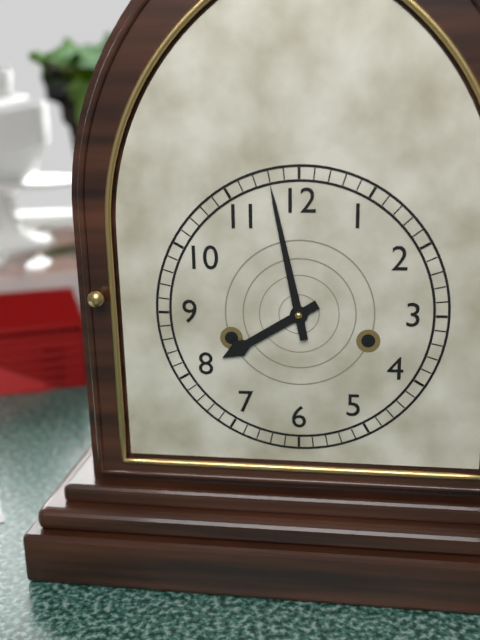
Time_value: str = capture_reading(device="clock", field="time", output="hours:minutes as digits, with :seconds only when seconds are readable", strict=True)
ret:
7:58
